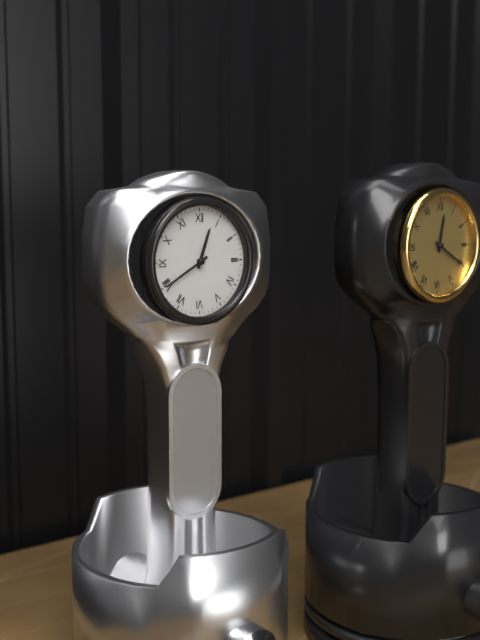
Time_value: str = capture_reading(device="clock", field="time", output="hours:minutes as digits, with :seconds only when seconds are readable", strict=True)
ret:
12:40
